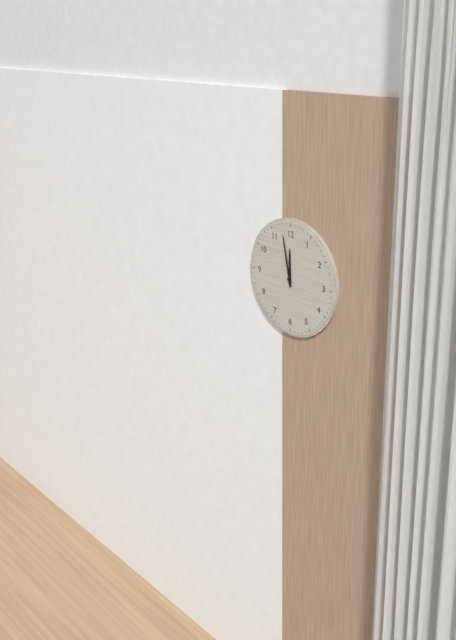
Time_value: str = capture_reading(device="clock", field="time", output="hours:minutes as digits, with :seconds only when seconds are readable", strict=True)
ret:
11:58
